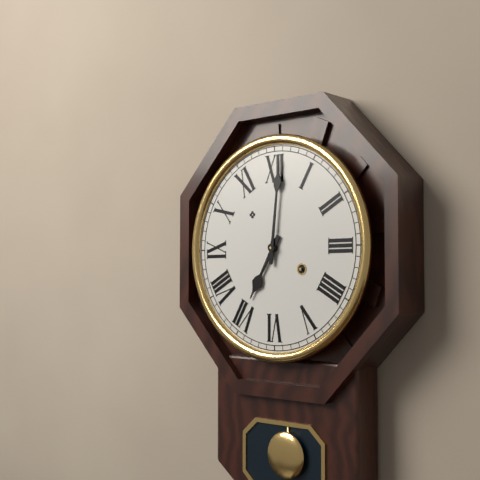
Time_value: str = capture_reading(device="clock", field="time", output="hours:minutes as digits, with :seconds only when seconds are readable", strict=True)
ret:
7:01
